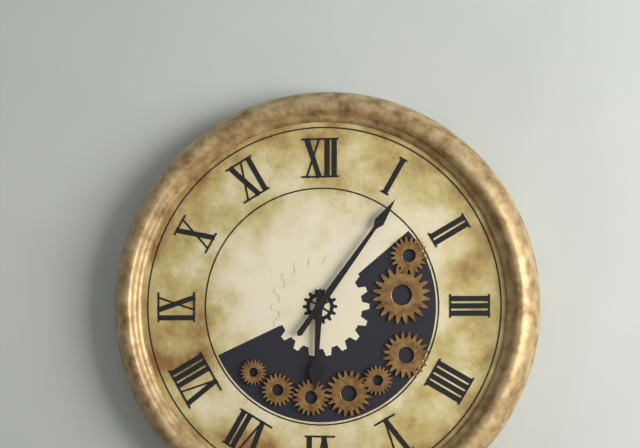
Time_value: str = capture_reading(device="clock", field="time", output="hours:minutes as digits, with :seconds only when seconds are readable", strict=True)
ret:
6:06
